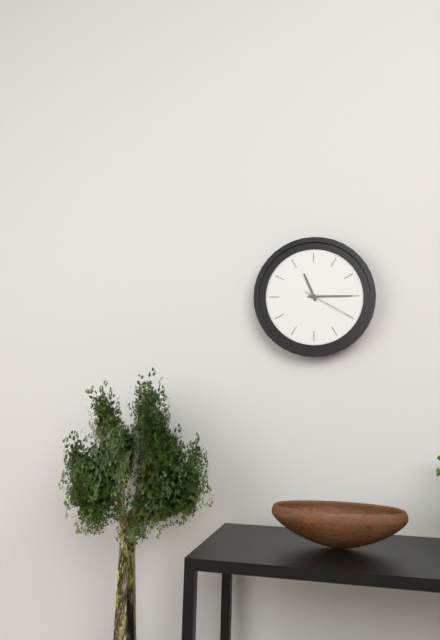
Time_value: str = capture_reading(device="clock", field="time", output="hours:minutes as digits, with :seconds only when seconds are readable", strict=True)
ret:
11:15:20
